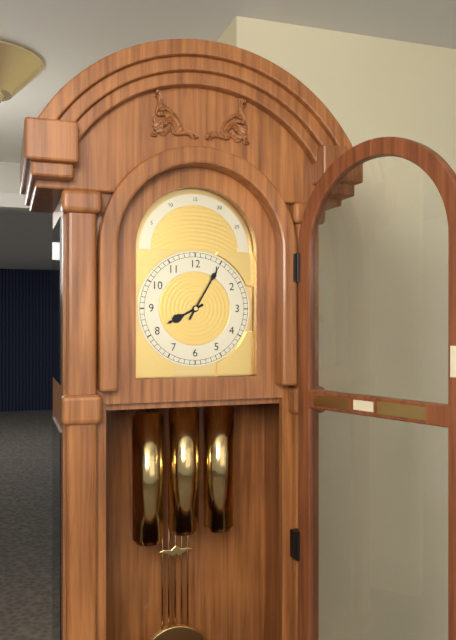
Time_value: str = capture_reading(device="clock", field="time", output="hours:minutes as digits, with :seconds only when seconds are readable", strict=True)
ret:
8:05
